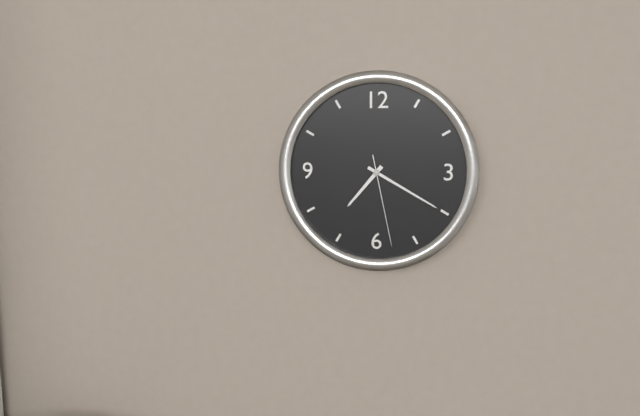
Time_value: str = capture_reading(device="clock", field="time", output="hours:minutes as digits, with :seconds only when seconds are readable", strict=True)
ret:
7:20:28
